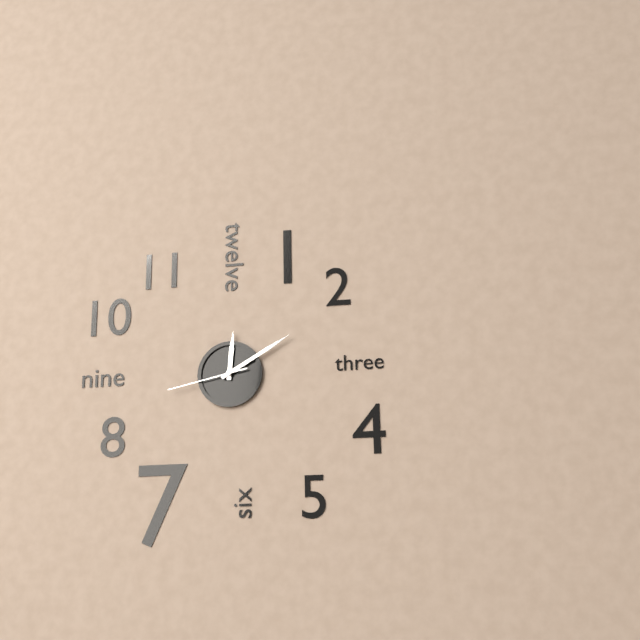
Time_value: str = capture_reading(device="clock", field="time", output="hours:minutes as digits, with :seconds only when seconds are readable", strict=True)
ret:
12:10:43
